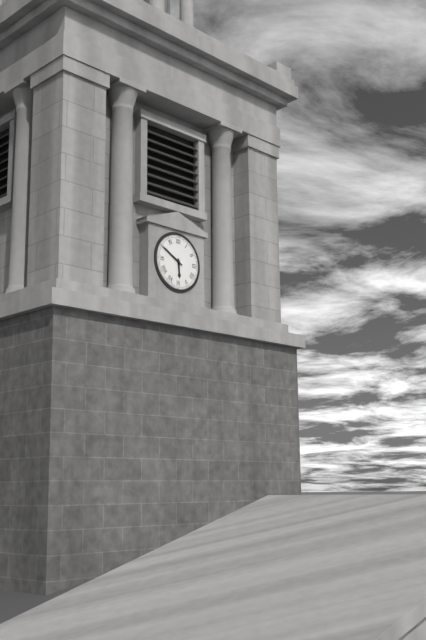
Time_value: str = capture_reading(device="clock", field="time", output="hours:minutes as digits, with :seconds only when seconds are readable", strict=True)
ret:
5:50
